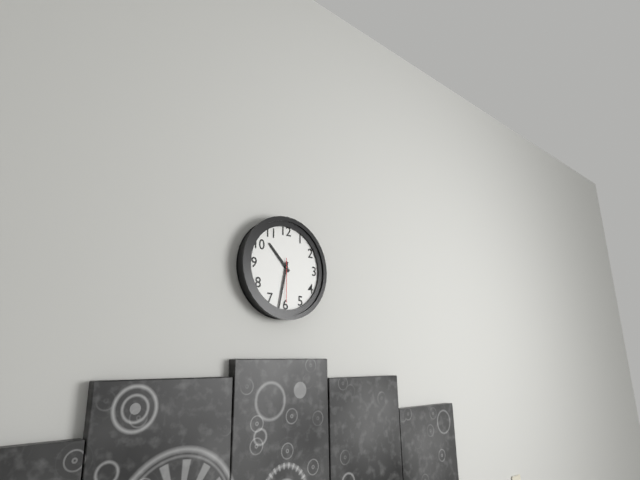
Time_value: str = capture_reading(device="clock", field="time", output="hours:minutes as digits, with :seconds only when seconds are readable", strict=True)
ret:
10:32
